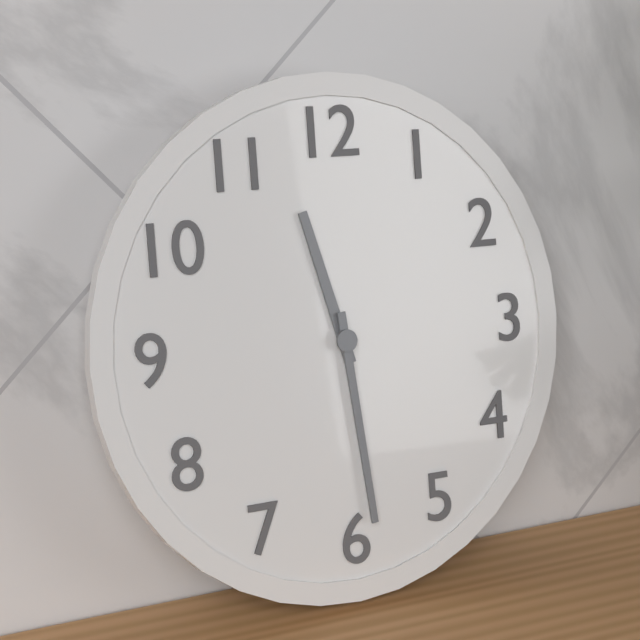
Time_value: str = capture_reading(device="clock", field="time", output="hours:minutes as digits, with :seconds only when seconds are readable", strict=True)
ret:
11:29
